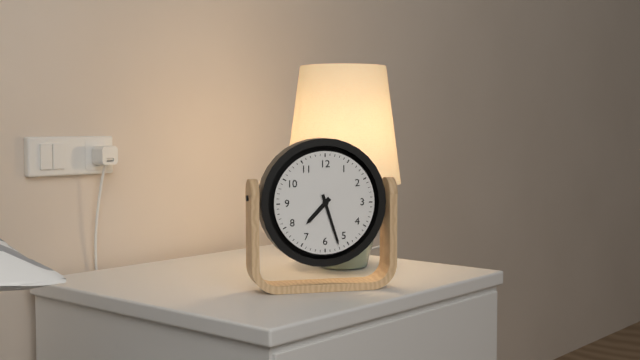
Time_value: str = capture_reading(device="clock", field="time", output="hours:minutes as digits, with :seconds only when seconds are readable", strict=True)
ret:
7:27
